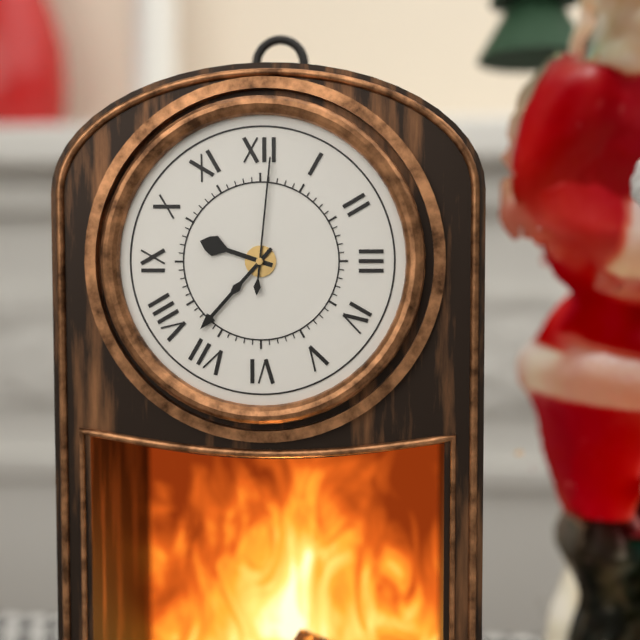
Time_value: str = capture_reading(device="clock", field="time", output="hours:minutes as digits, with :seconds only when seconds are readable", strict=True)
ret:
9:37:01
